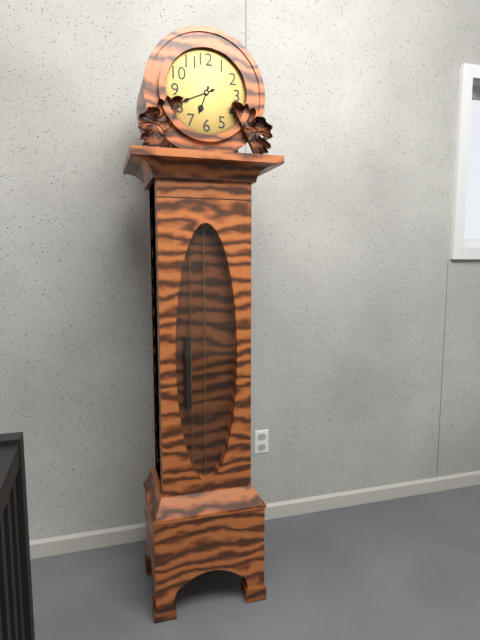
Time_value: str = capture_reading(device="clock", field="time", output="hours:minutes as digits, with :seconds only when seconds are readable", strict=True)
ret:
6:41
